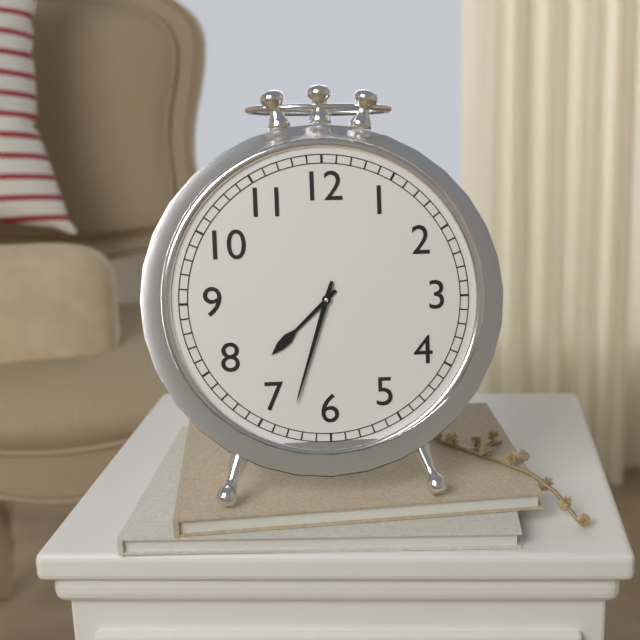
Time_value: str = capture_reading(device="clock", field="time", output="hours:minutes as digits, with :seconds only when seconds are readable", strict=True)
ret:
7:33
